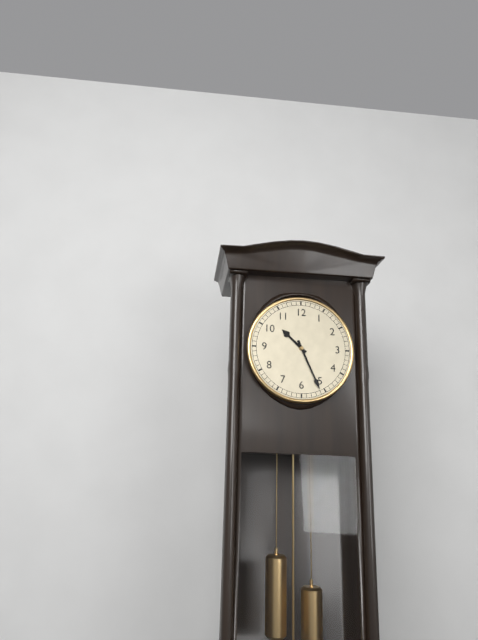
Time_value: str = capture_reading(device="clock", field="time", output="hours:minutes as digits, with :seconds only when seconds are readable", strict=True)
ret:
10:26
